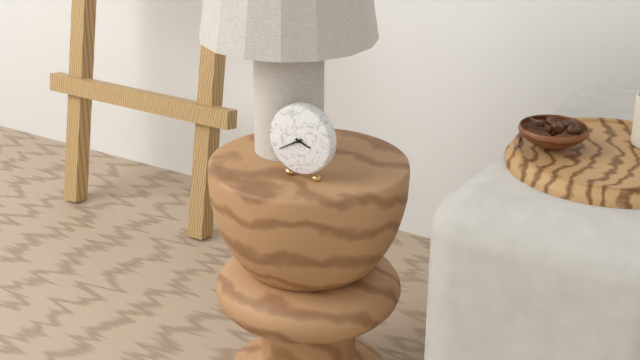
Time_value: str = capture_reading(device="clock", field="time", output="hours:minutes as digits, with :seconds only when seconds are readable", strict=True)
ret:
3:40
